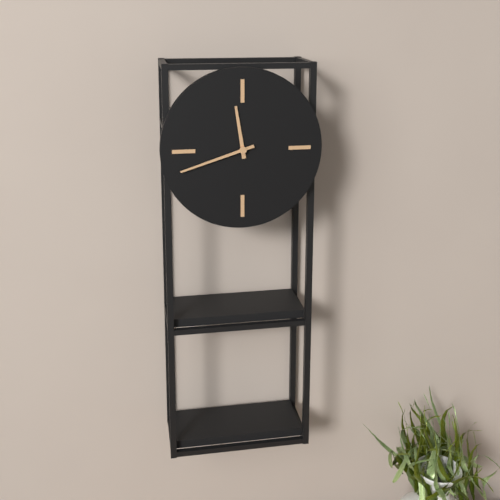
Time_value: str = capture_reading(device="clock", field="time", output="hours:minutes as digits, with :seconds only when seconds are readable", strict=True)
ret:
11:42
